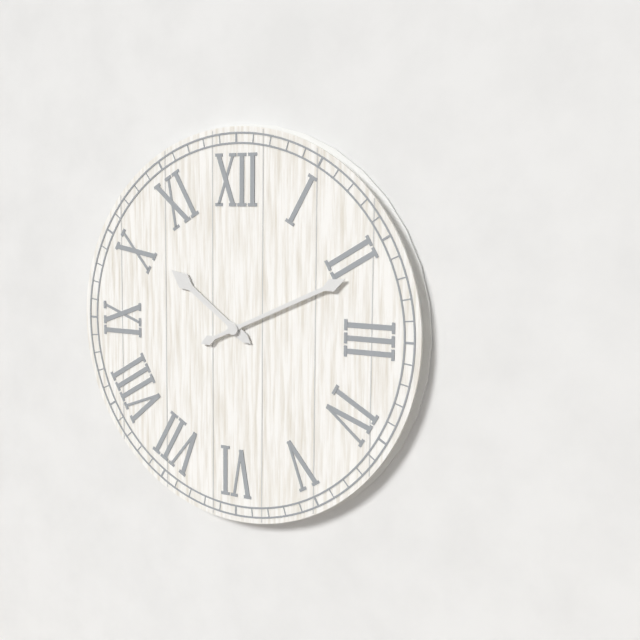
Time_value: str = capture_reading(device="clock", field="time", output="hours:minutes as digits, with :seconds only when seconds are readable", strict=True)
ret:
10:11
